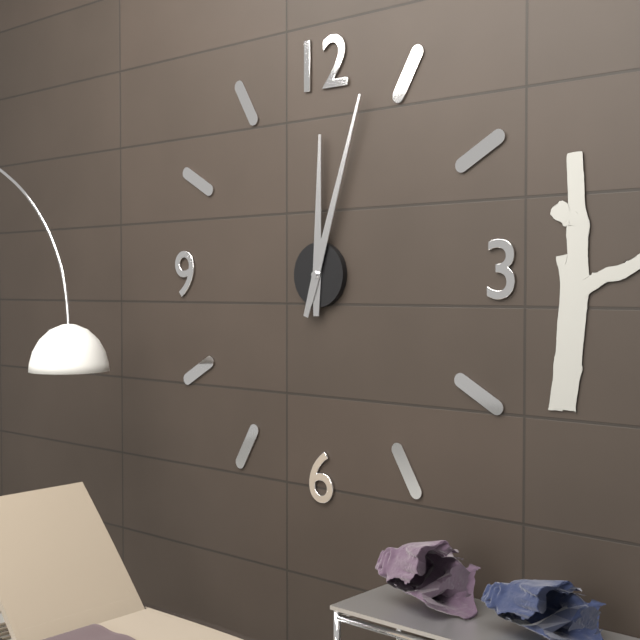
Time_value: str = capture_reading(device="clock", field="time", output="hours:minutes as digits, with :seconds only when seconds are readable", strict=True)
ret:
12:03
